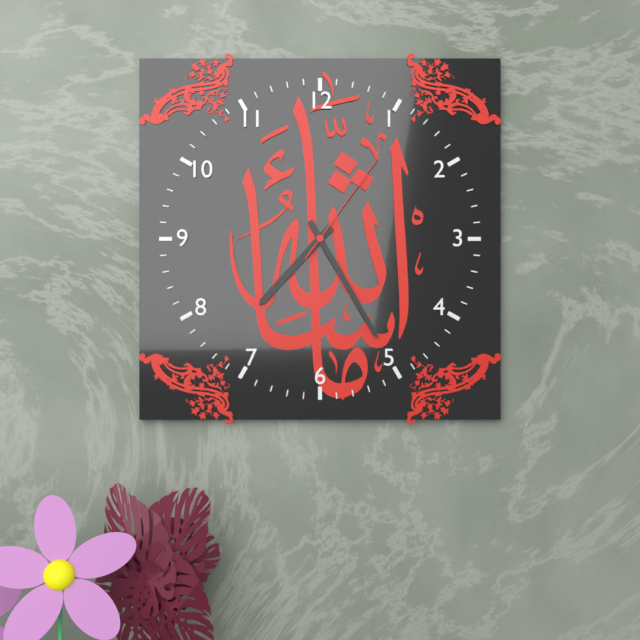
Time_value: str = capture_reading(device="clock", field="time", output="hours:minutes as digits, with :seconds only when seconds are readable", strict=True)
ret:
7:25:06
